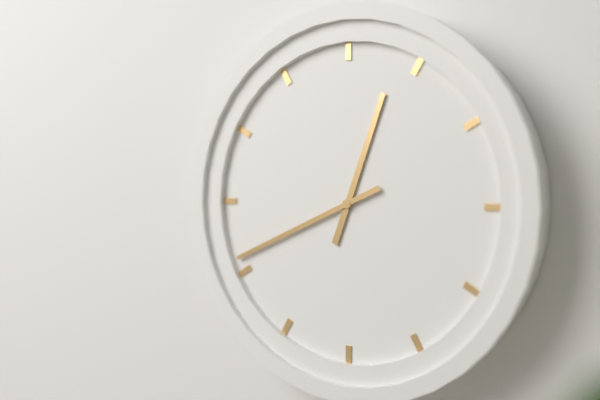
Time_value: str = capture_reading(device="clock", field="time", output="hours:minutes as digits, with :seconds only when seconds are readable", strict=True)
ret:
12:41
